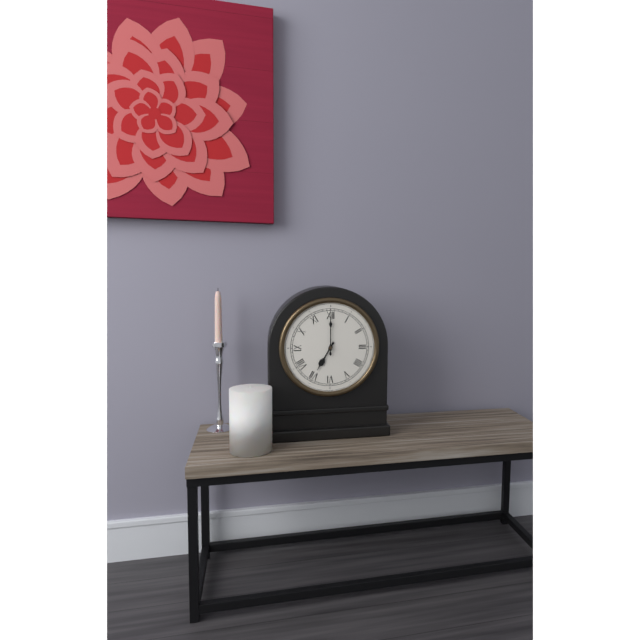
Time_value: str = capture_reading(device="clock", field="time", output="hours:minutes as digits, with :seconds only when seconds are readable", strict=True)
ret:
7:00
